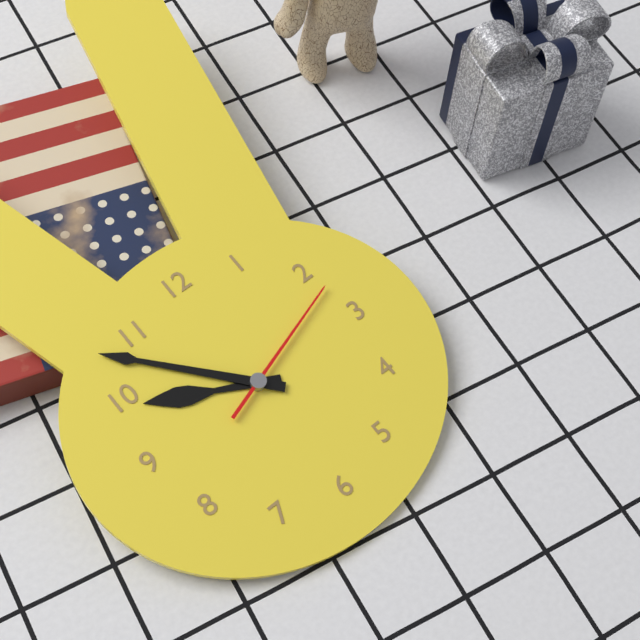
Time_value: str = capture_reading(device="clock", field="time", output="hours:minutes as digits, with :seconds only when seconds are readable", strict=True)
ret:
9:53:12
